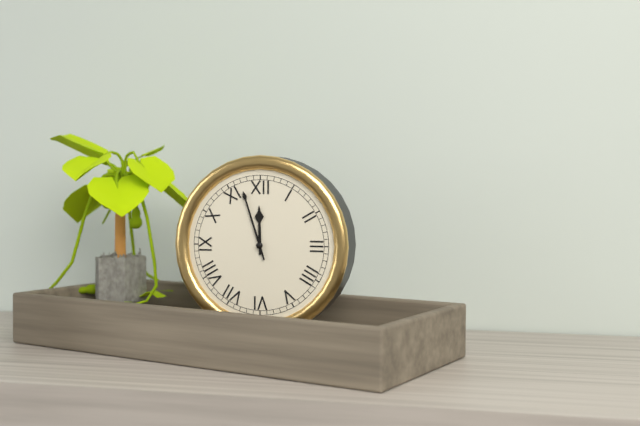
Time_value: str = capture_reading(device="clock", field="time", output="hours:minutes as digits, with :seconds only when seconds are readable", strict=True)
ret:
11:57
